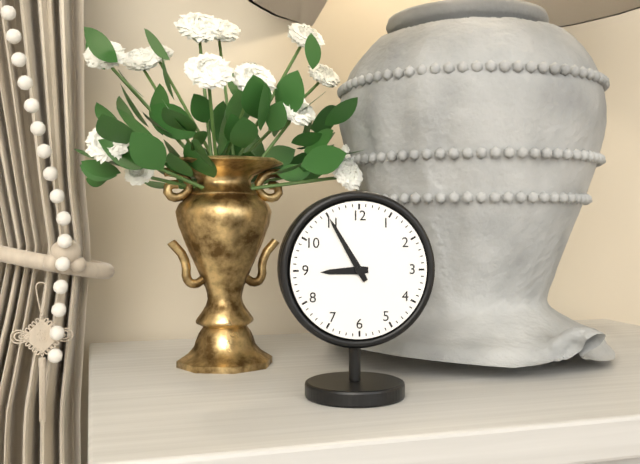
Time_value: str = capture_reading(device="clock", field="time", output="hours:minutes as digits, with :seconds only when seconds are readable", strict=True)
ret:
8:55
